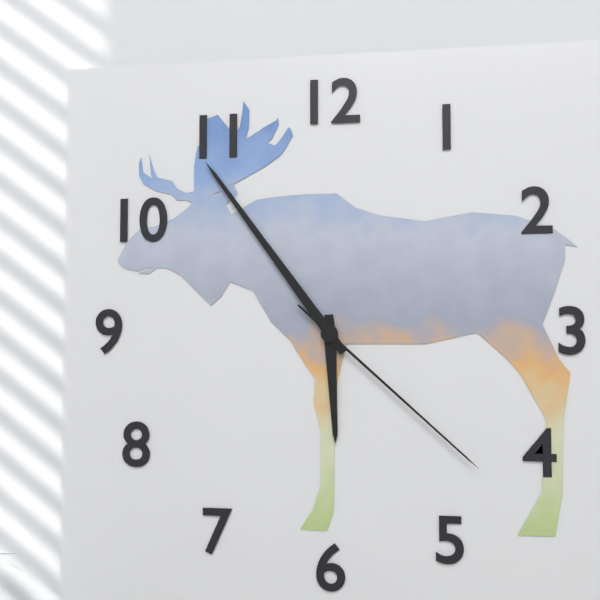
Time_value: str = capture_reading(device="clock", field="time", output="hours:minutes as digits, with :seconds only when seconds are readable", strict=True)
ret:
5:54:22
